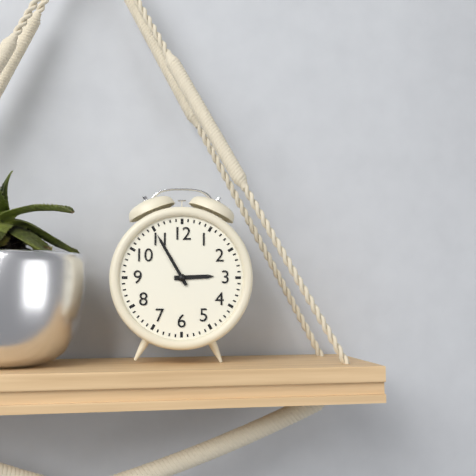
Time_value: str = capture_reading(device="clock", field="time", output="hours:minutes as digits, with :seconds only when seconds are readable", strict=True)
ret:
2:55
